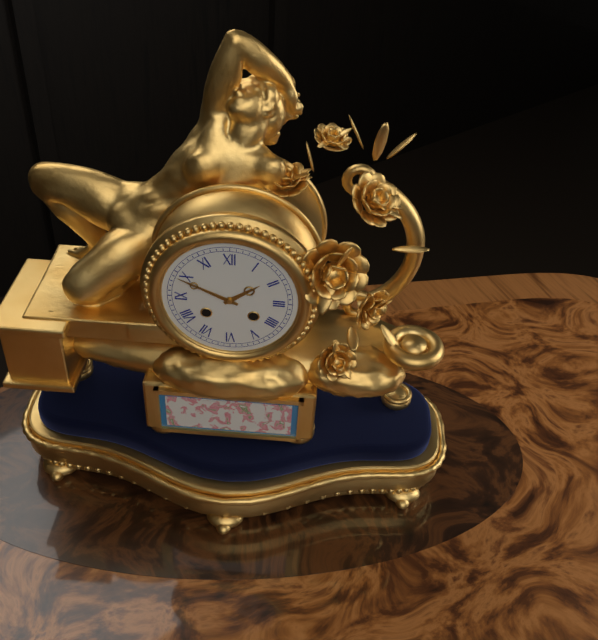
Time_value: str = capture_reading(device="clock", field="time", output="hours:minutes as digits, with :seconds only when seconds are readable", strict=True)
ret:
1:49
